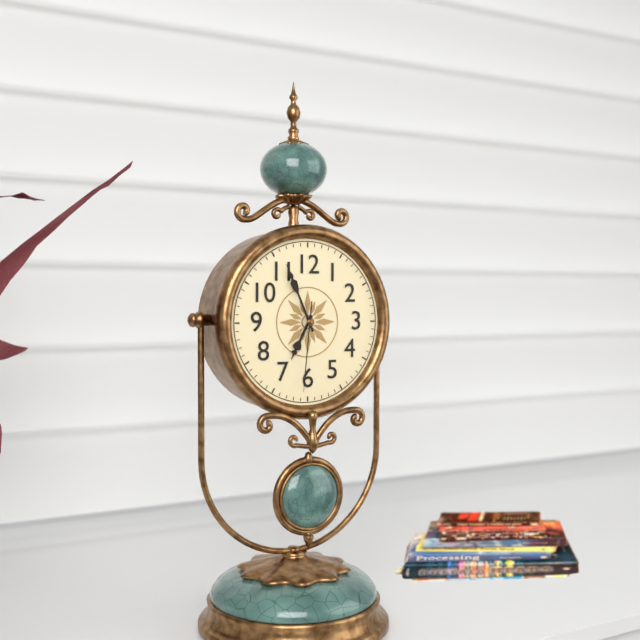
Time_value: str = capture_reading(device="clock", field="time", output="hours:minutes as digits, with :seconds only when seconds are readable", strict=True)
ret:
6:56:31
